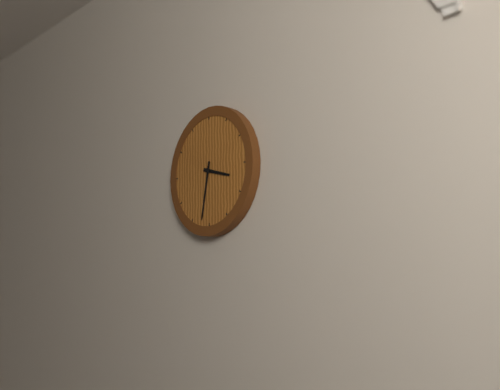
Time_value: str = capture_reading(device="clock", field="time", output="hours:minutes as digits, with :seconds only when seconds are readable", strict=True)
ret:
3:32
